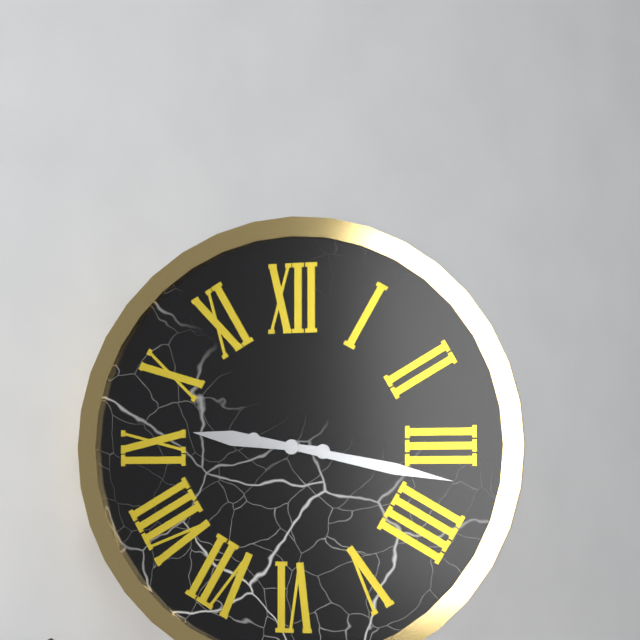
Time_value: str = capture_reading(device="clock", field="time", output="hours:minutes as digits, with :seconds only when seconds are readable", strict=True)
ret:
9:17
